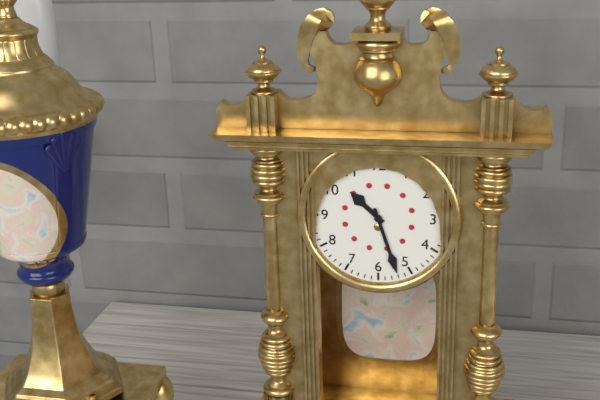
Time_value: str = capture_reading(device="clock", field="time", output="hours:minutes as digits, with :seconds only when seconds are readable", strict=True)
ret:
10:27
